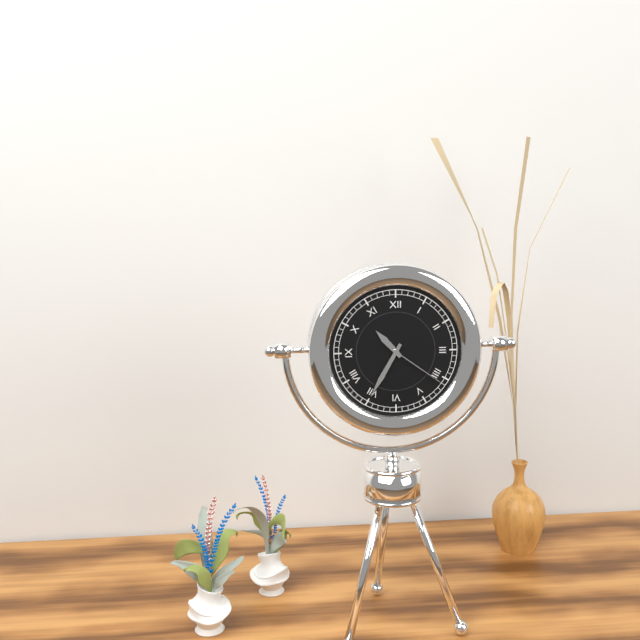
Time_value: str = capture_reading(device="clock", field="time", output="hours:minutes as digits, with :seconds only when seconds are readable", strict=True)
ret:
10:35:21
